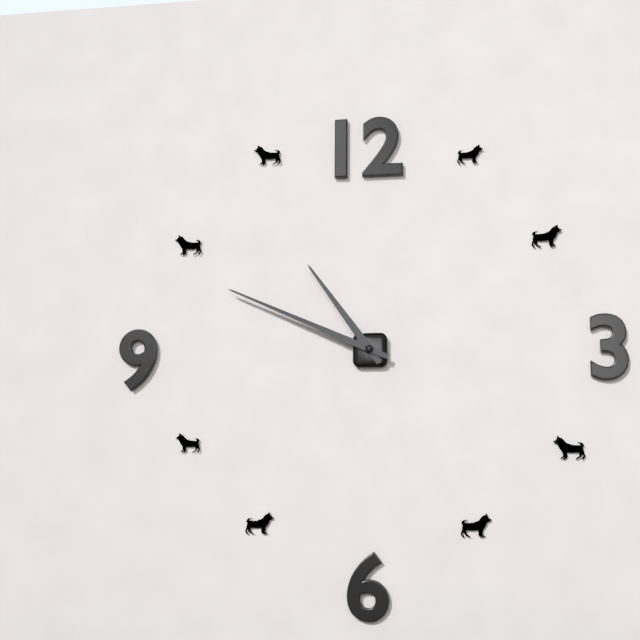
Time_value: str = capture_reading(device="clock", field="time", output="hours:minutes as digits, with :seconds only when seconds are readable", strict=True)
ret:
10:49
